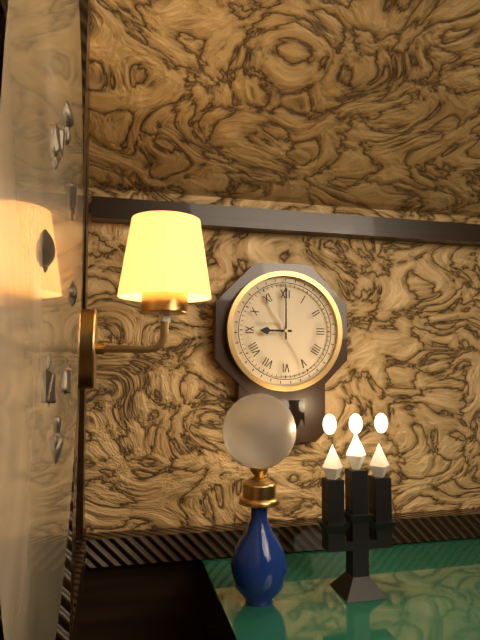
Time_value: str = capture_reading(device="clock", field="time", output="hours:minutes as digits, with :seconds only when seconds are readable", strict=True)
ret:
9:00
